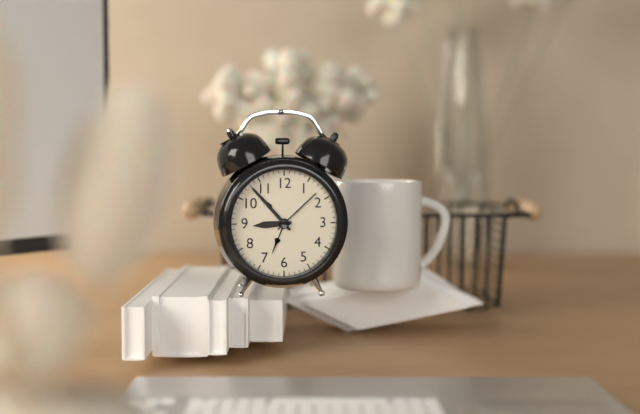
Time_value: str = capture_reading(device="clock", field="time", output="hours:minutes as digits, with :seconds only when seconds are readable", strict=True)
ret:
8:53
